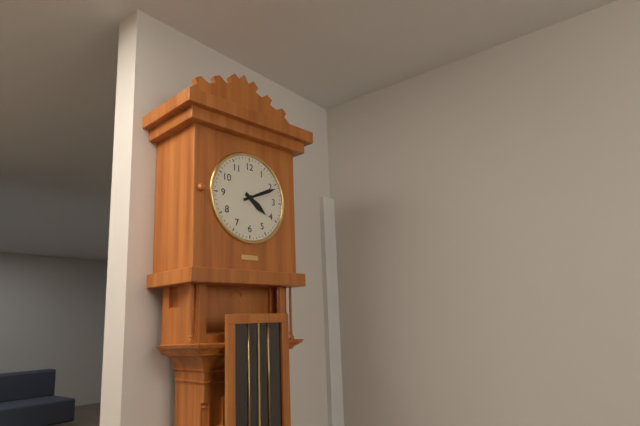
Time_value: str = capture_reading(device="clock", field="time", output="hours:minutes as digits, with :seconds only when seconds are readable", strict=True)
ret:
4:11
